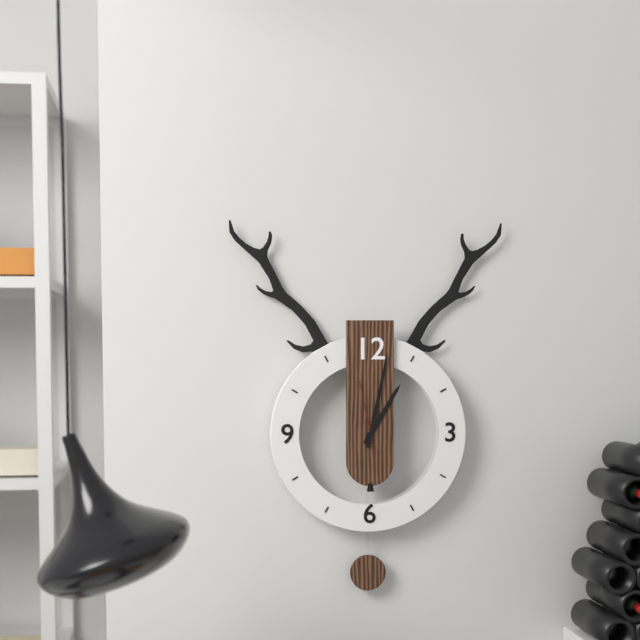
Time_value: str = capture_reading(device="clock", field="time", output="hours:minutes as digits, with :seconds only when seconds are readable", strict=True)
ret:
1:02:58
